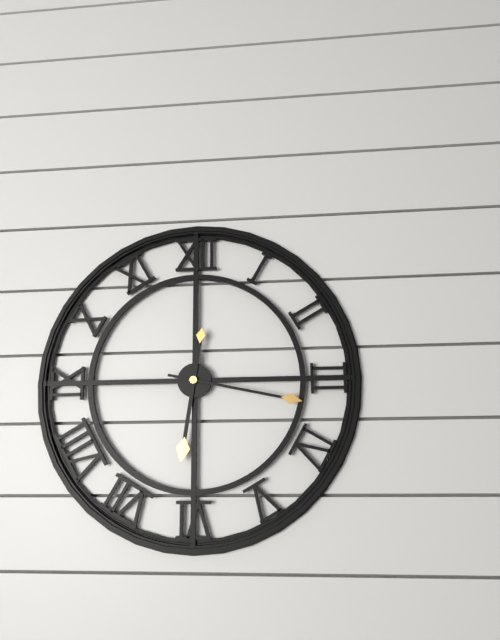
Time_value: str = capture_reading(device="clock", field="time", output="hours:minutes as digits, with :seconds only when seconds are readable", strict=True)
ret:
6:17
